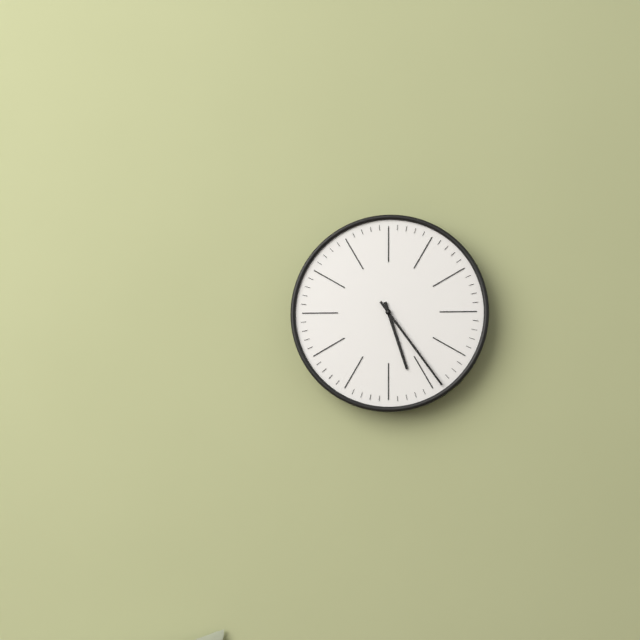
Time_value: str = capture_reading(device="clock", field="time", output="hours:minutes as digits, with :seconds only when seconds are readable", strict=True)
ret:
5:24
